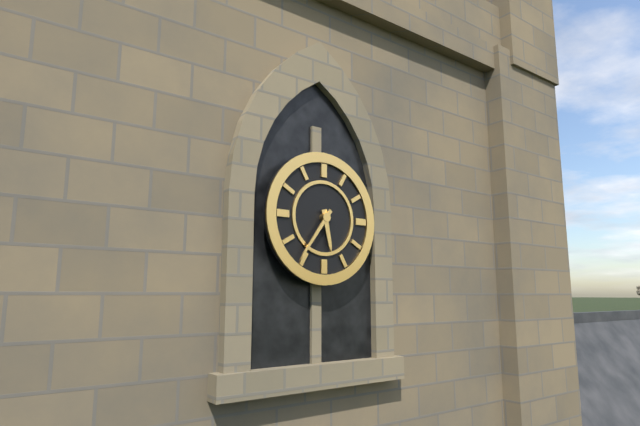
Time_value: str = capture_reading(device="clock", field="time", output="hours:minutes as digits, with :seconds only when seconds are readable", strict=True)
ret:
5:36
